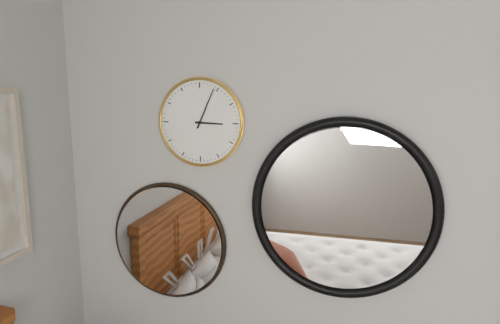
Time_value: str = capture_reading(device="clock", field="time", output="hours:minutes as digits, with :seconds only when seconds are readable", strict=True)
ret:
3:04
